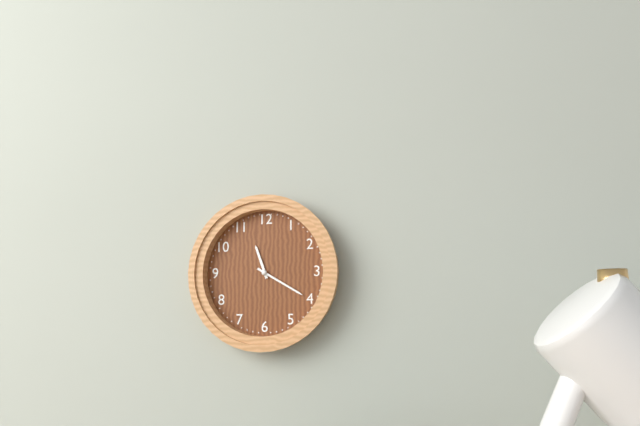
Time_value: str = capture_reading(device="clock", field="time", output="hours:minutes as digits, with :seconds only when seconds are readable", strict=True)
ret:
11:20
